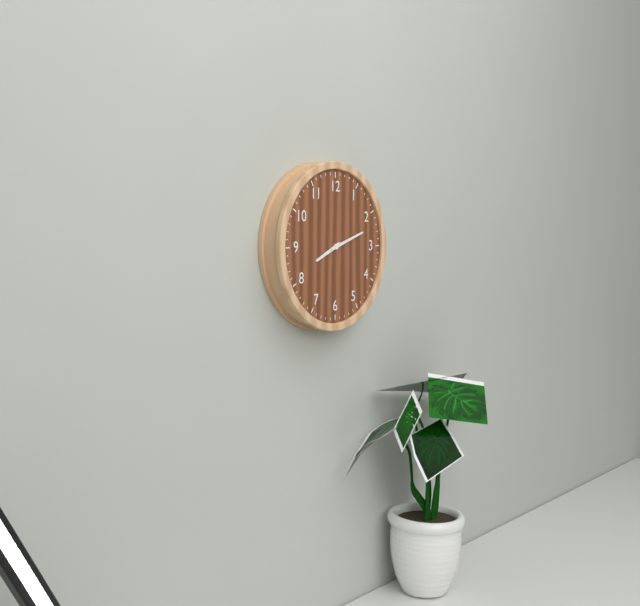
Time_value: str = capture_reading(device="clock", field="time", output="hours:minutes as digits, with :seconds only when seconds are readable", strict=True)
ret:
8:12
